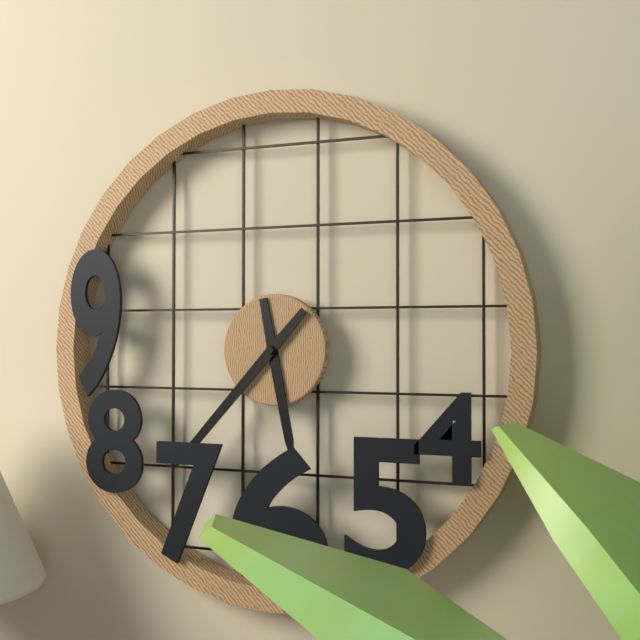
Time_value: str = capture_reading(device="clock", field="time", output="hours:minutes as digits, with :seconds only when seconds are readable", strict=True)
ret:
5:37
